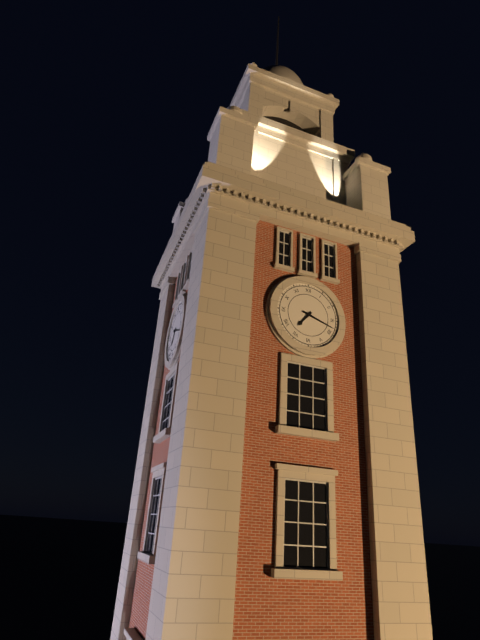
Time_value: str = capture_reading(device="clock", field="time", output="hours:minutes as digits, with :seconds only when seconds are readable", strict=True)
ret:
7:18
